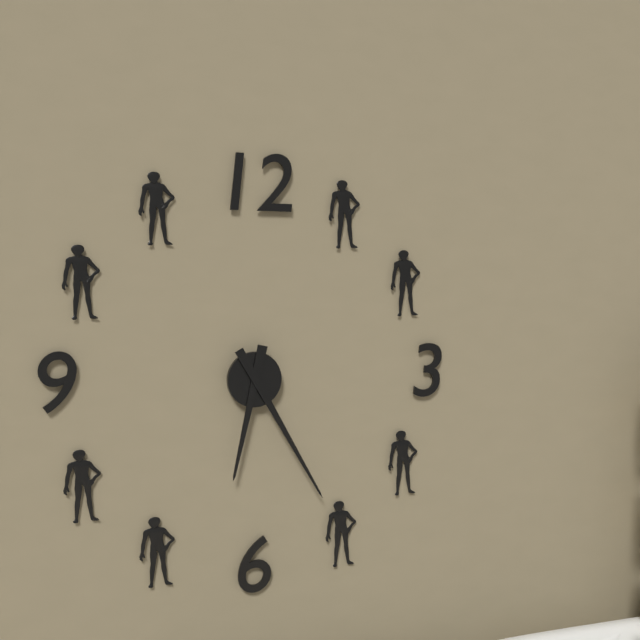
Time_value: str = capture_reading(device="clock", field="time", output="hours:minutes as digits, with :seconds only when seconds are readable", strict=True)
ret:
6:25
